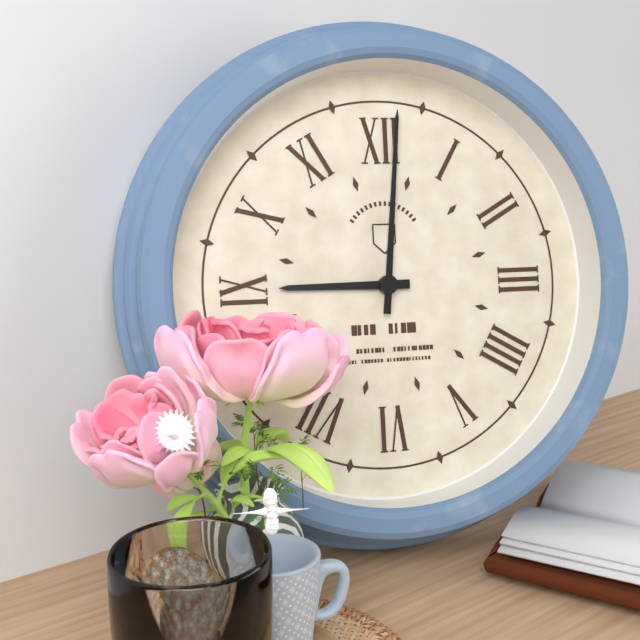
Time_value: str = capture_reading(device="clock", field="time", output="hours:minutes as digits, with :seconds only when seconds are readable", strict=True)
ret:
9:01
